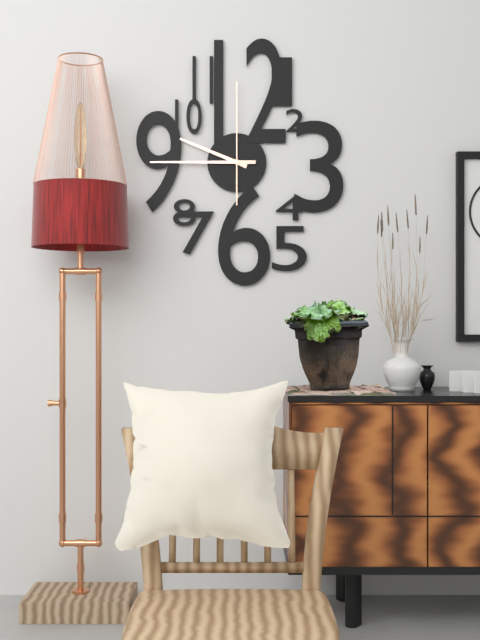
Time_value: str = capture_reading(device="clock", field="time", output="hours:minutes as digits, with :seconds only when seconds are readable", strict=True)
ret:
9:45:00
